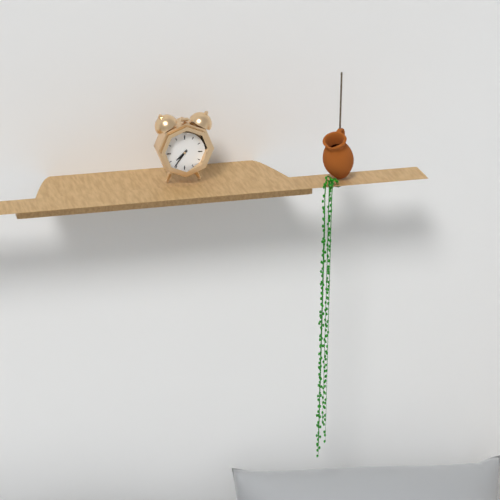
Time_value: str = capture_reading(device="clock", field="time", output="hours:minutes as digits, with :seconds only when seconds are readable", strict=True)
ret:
7:36
